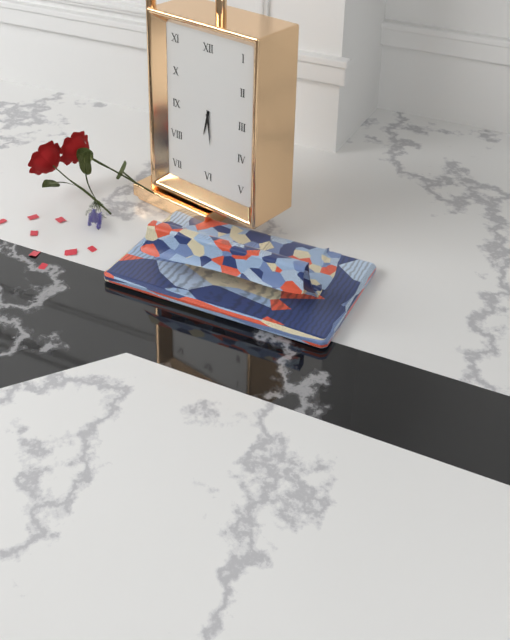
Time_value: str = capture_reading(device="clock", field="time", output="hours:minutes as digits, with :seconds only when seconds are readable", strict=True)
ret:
6:29
